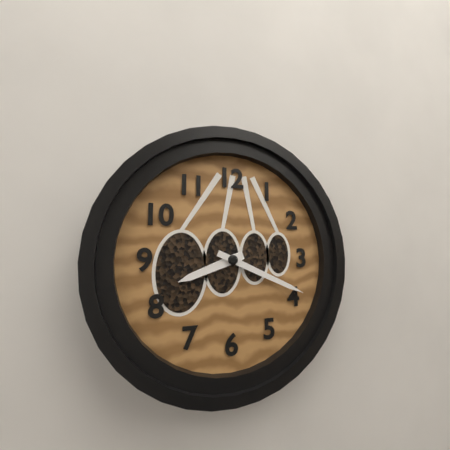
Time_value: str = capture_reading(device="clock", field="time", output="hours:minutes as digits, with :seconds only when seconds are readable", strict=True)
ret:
8:19
